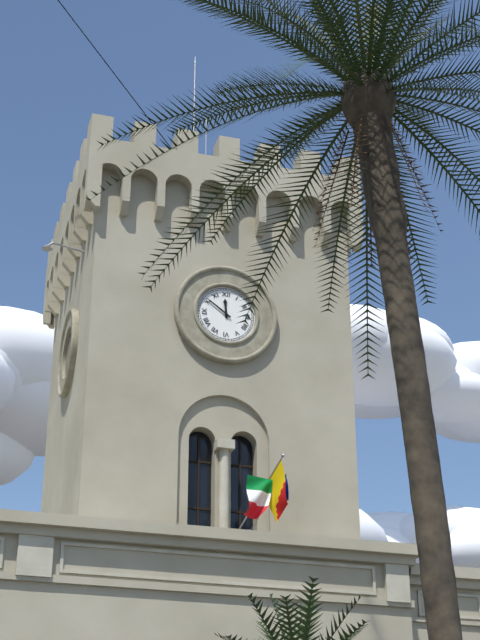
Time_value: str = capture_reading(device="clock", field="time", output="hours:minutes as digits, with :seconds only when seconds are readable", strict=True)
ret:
11:51
